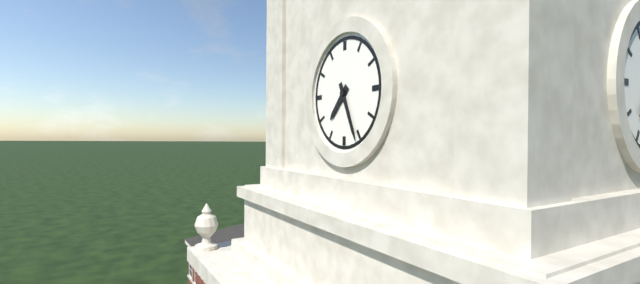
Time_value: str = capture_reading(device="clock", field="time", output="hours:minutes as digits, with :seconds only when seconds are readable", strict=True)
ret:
7:26
